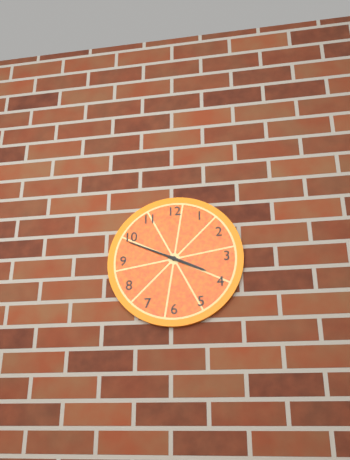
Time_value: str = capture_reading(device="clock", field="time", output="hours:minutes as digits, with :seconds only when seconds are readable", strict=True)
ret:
3:49
